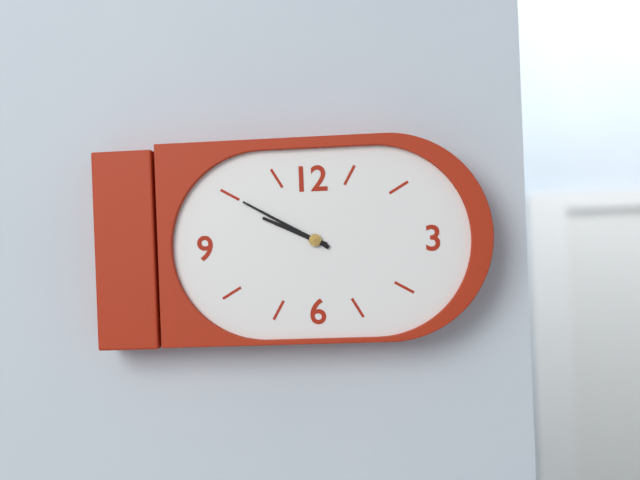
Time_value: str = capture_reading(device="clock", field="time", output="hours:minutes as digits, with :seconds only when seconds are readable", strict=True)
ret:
9:50
